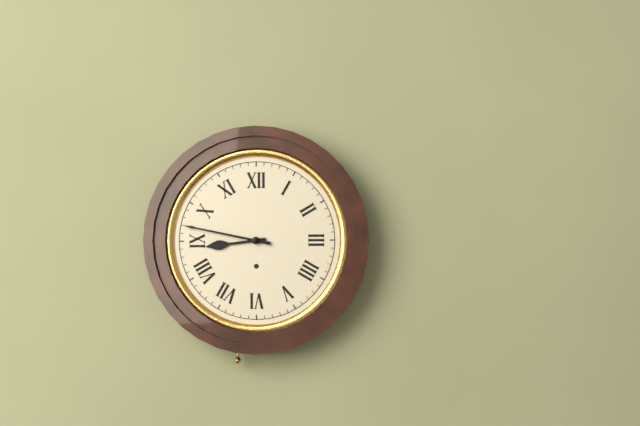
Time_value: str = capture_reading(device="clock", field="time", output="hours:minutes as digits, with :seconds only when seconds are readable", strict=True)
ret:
8:47
